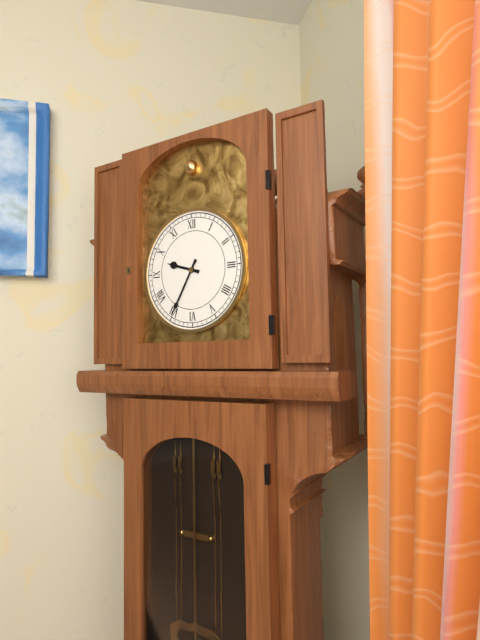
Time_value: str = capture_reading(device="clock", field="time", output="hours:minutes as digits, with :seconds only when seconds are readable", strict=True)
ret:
9:35
